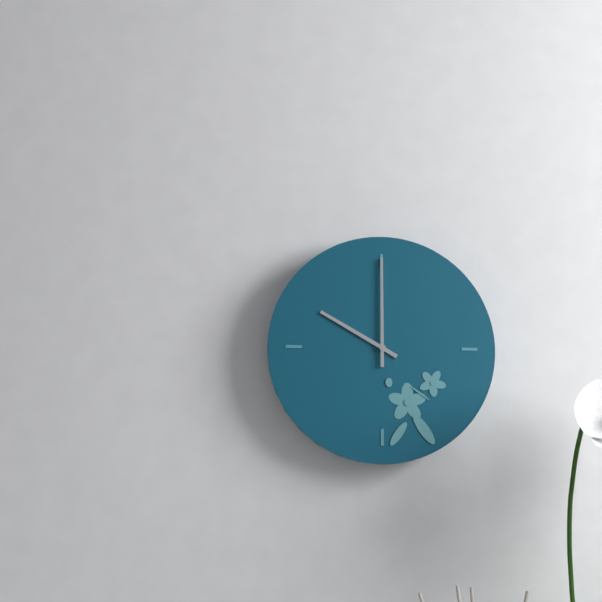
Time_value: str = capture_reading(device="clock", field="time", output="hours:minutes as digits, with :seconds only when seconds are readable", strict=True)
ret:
10:00
